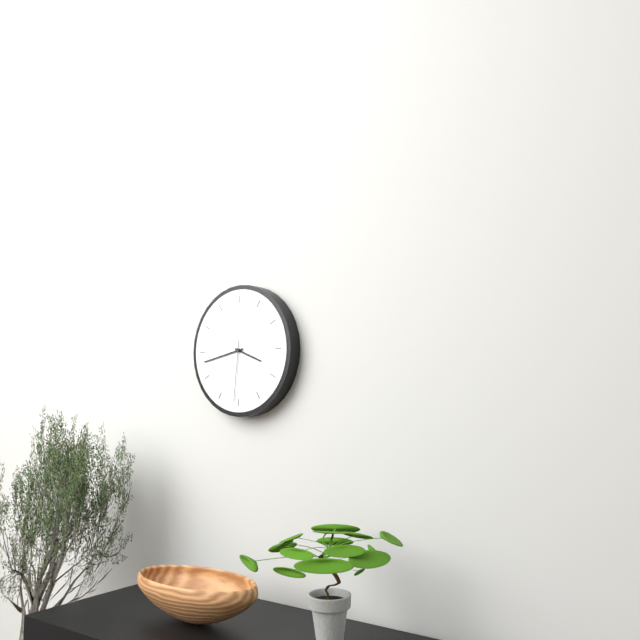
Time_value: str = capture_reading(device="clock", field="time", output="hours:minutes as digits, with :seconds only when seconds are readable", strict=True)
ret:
3:43:31
